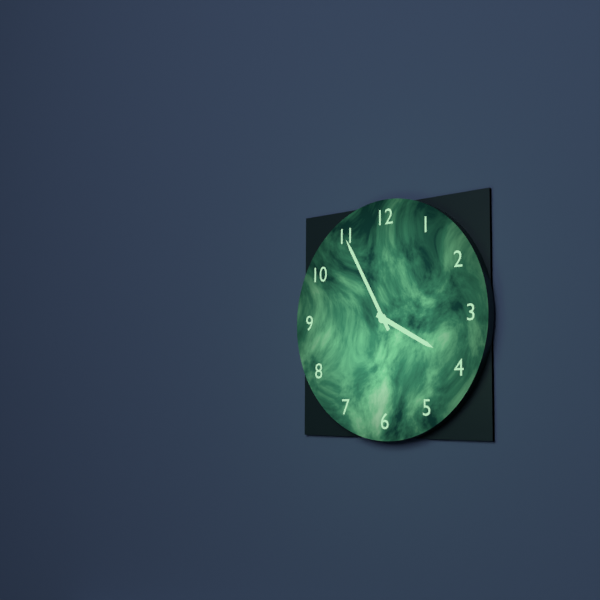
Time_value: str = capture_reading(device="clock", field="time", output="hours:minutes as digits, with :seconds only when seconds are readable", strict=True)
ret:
3:55
